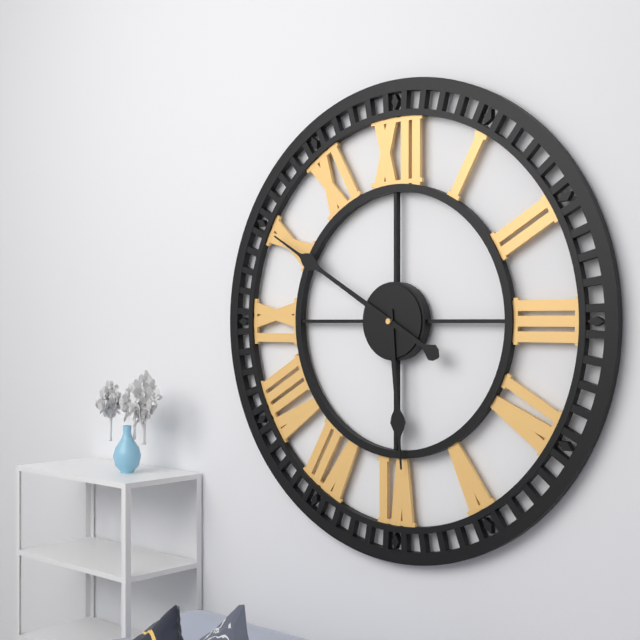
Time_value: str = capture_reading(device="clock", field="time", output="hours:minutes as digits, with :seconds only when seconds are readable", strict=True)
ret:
5:50
